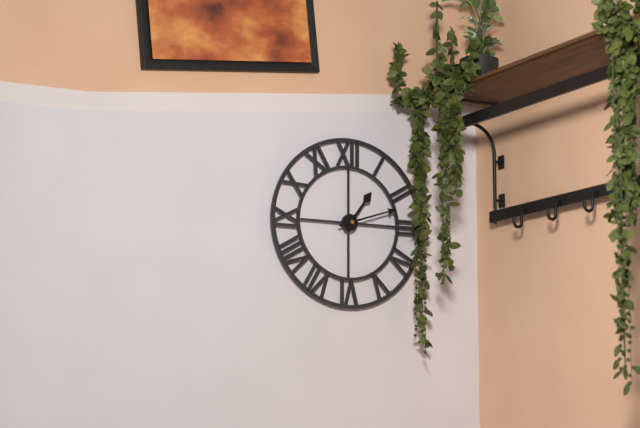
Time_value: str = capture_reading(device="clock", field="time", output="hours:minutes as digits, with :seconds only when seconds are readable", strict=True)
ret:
1:12
